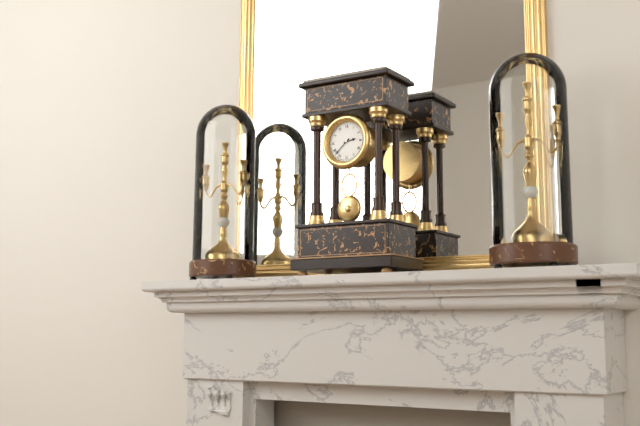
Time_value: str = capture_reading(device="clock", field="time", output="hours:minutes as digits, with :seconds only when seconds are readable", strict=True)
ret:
2:38
